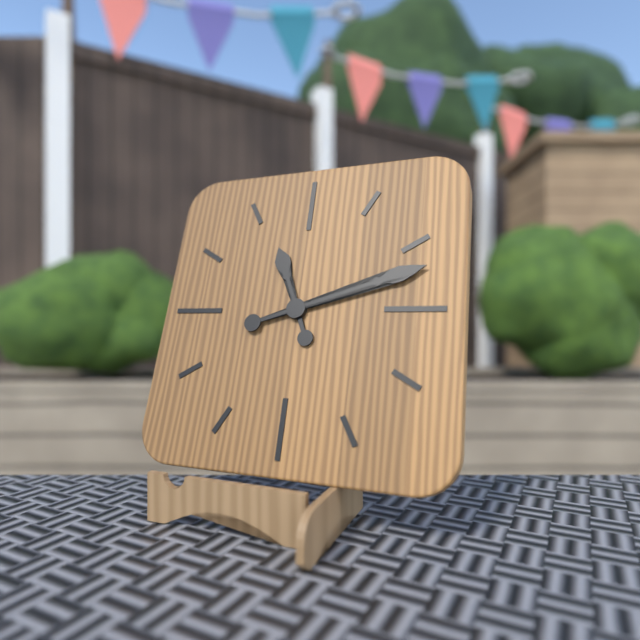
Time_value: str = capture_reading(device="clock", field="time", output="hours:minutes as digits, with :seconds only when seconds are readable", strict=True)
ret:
11:12
